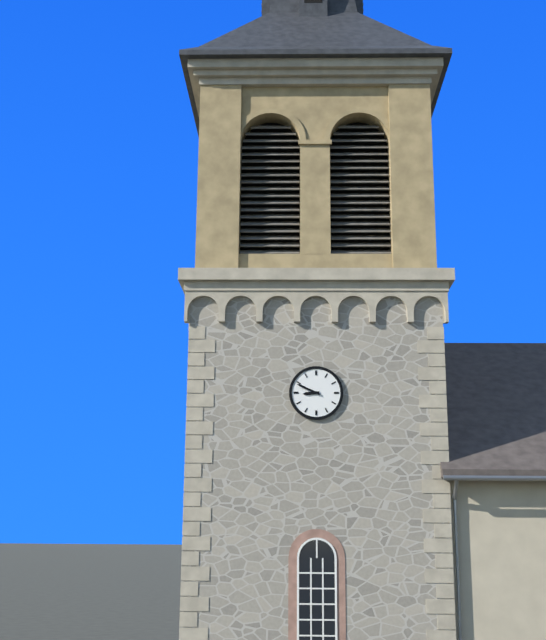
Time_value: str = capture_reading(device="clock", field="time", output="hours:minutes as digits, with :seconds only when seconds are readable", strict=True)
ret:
8:49
